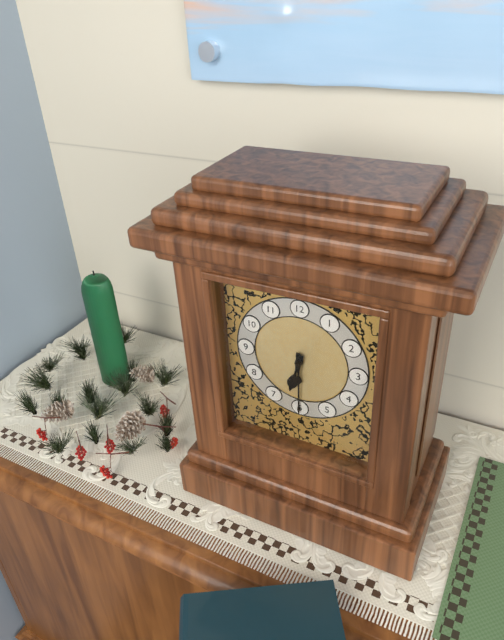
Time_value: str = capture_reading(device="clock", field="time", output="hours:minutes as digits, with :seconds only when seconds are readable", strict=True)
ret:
6:30
